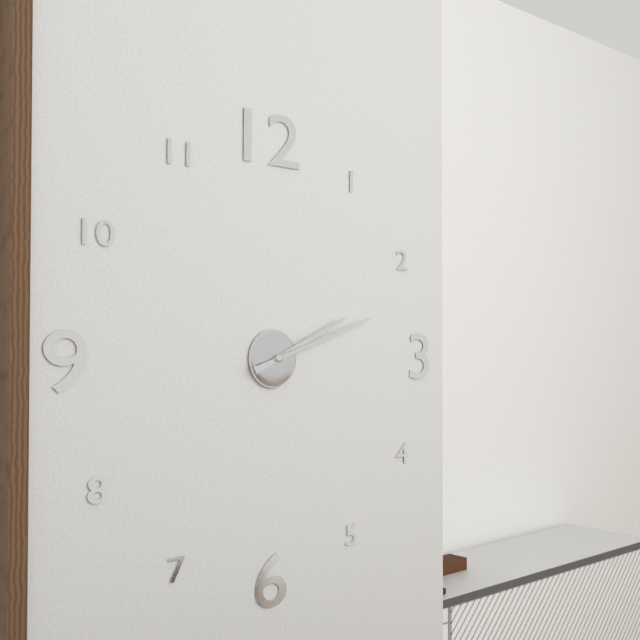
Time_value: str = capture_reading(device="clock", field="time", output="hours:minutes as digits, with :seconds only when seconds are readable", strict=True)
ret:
2:12
